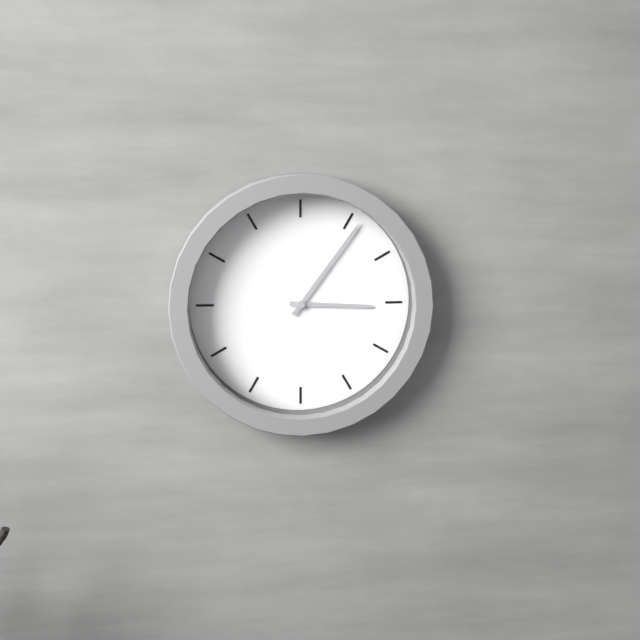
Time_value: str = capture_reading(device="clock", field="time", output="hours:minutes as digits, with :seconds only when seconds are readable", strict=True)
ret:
3:06
